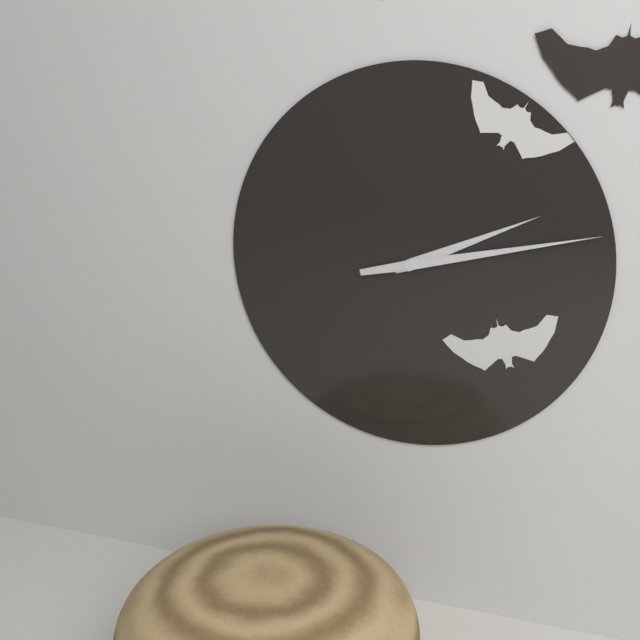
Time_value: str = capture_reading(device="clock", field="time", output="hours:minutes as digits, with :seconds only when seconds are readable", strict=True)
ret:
2:13
